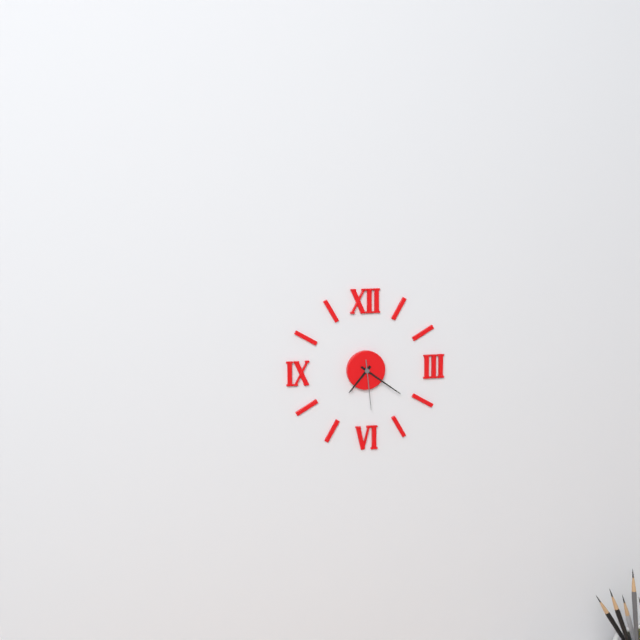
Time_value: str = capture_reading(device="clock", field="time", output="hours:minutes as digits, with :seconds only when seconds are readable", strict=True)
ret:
7:21:29
